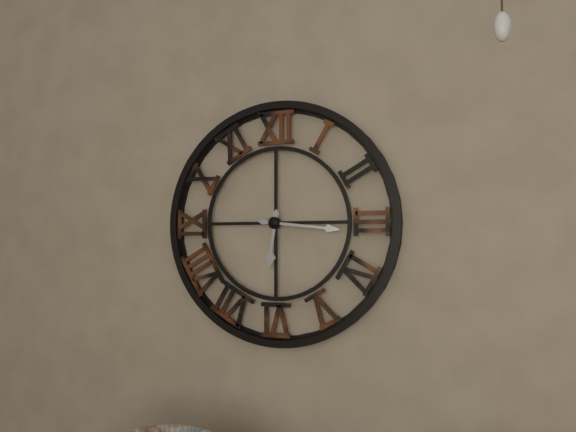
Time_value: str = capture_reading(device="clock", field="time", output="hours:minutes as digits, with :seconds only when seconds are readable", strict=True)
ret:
6:16
